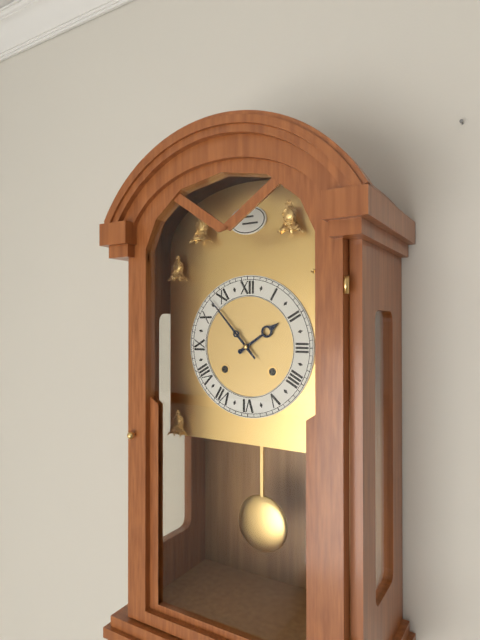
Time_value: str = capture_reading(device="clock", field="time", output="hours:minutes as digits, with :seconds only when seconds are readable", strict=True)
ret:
1:53
